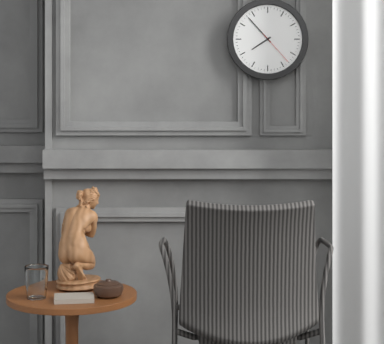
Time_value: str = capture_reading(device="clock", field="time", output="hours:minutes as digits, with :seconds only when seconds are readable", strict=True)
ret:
7:53
